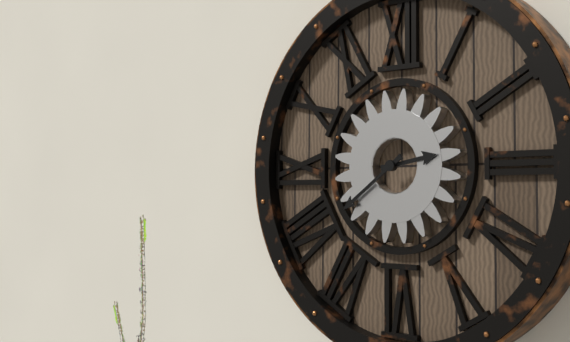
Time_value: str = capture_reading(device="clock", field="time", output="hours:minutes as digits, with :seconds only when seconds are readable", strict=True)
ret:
2:39
